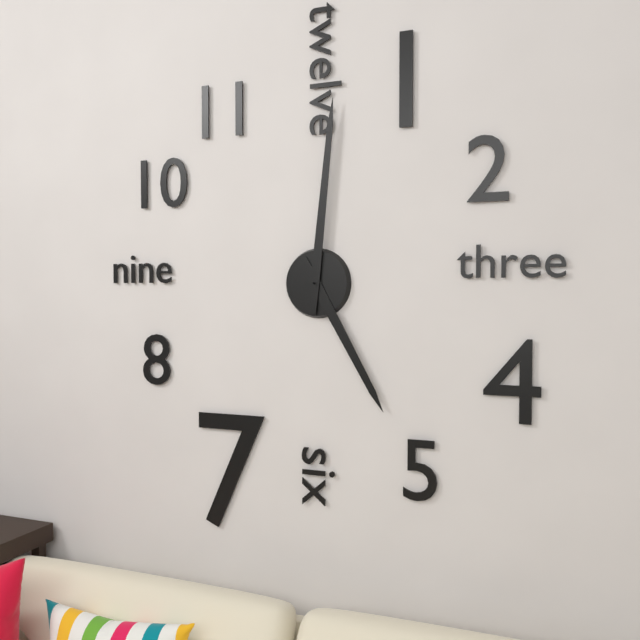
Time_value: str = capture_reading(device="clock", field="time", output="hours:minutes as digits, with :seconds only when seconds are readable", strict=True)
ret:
5:01
